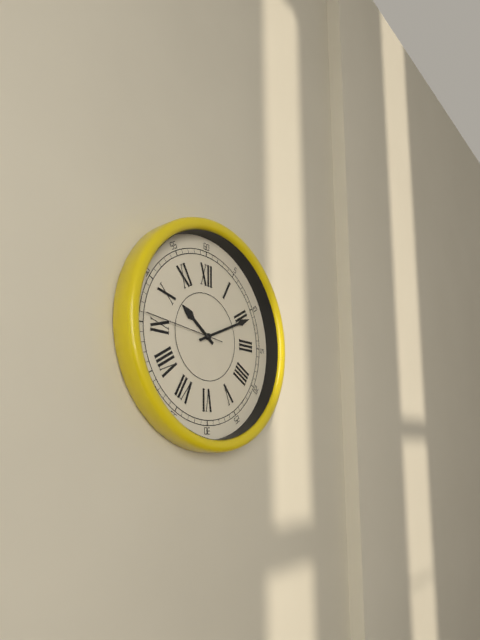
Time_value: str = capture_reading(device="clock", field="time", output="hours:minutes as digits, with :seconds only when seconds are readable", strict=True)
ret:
10:11:46
